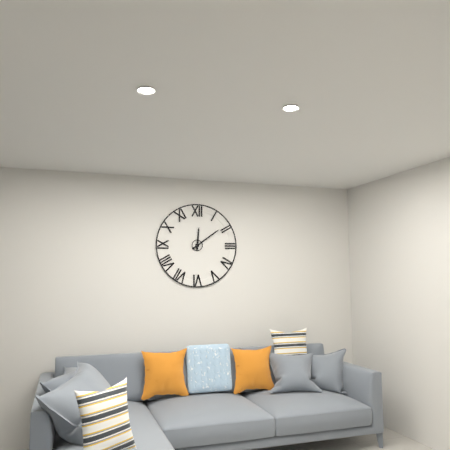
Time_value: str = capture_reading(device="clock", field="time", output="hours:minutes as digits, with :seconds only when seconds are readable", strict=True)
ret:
12:09
